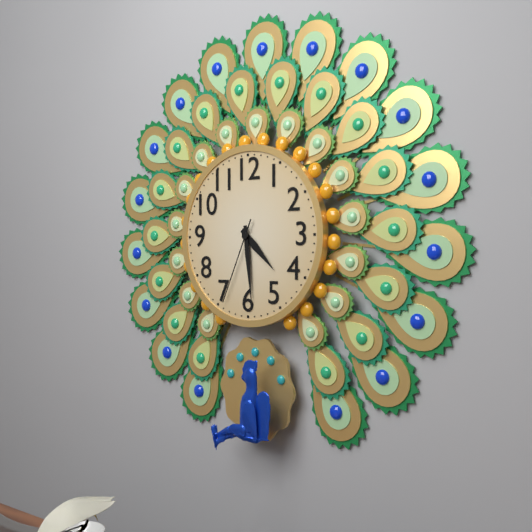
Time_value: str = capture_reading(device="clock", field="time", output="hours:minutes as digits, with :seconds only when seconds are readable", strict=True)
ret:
4:29:34
